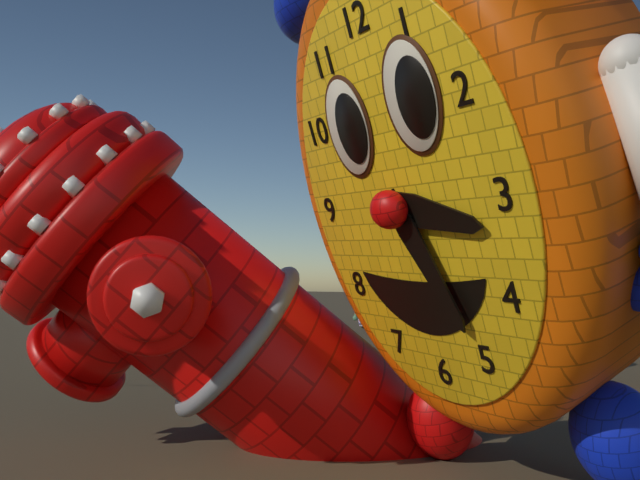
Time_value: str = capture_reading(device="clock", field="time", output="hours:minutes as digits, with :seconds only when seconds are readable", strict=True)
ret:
3:26
